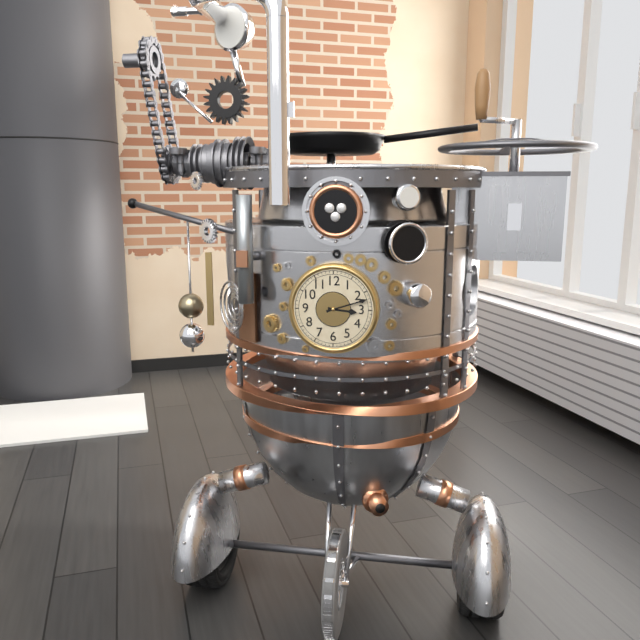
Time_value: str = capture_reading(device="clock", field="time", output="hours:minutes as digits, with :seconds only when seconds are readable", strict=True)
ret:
3:12
